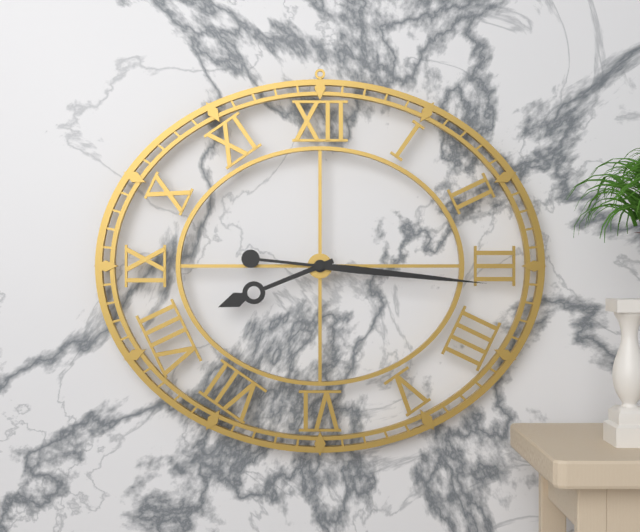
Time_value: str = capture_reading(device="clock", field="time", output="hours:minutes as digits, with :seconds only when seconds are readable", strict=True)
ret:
8:16
